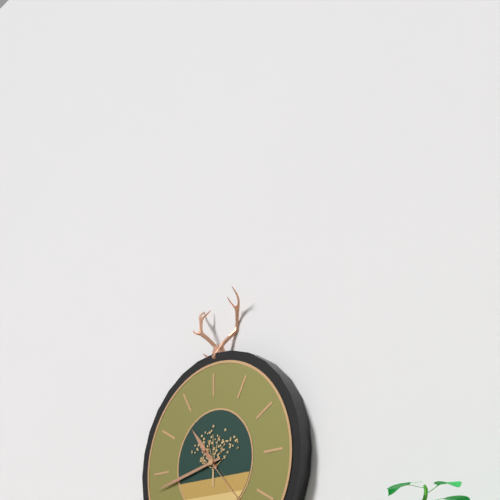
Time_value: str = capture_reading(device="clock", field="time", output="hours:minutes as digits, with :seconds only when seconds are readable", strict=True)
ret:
10:43
